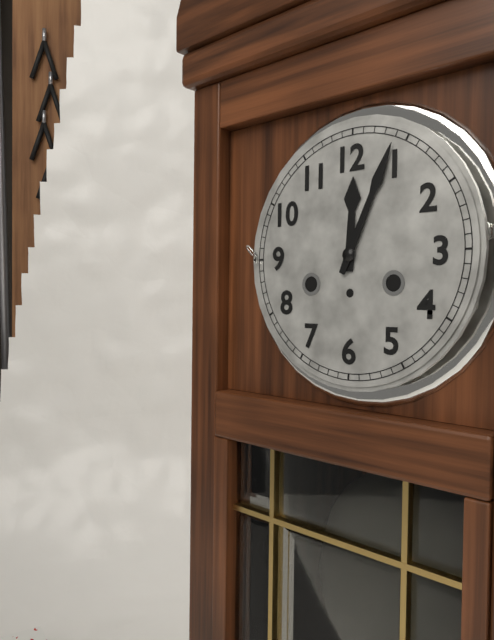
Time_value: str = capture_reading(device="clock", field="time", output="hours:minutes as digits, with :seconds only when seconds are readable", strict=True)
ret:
12:04
